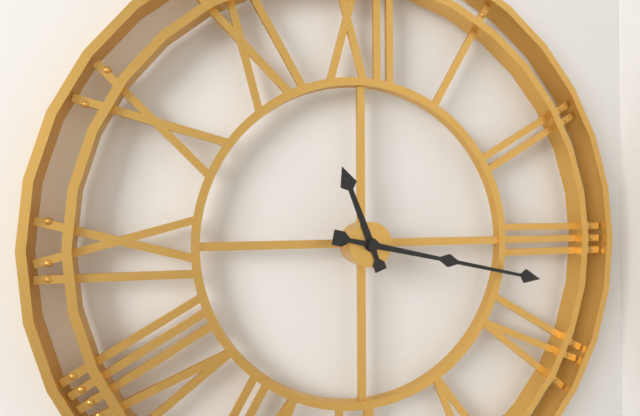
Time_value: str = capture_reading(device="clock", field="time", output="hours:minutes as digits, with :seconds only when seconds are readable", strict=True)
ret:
11:17
